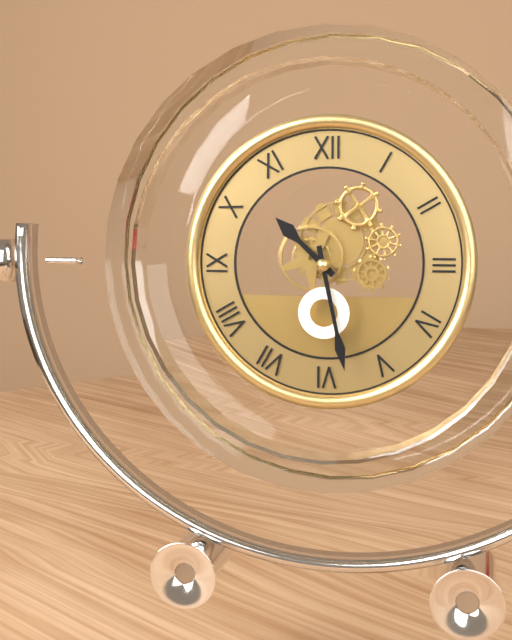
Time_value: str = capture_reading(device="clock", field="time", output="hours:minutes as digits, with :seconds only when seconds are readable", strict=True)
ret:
10:28
